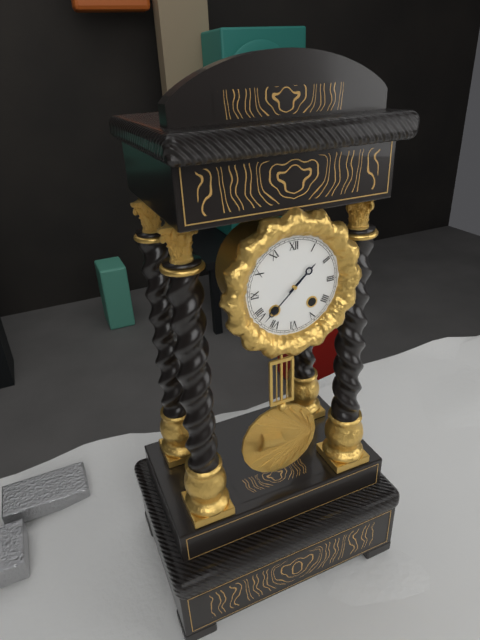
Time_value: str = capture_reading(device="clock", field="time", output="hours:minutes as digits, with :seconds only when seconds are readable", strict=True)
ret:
1:38
